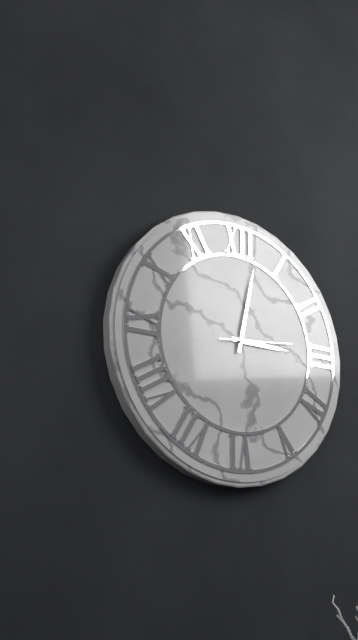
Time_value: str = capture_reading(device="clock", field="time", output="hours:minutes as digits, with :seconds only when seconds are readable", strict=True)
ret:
3:02:14
